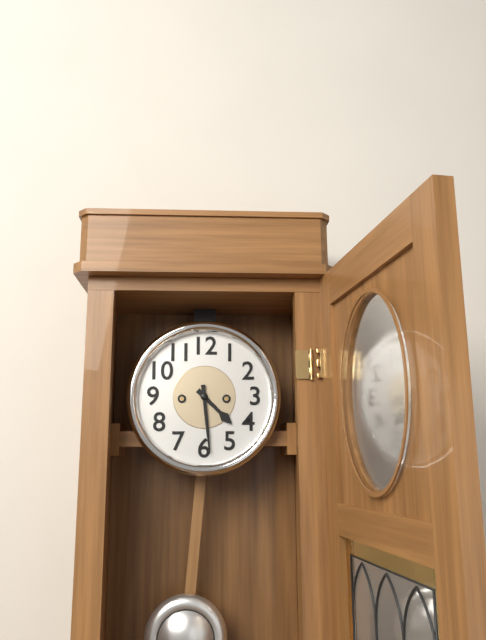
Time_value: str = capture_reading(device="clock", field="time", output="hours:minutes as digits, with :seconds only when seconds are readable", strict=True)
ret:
4:29
